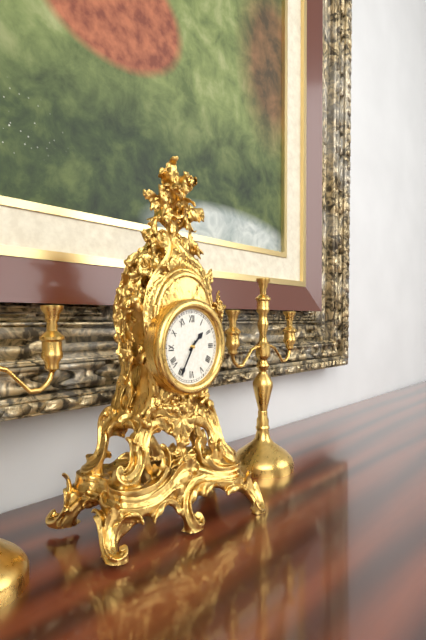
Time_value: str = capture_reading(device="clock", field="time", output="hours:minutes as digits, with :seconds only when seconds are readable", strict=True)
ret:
1:35
